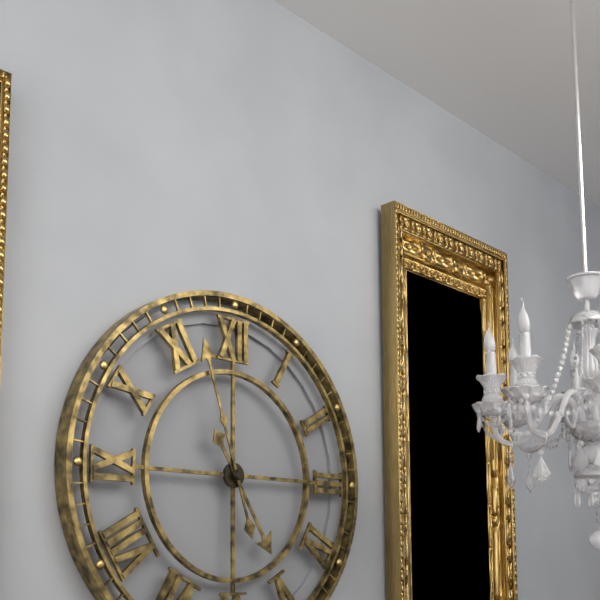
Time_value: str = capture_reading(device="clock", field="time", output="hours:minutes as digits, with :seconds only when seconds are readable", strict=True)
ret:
4:57
